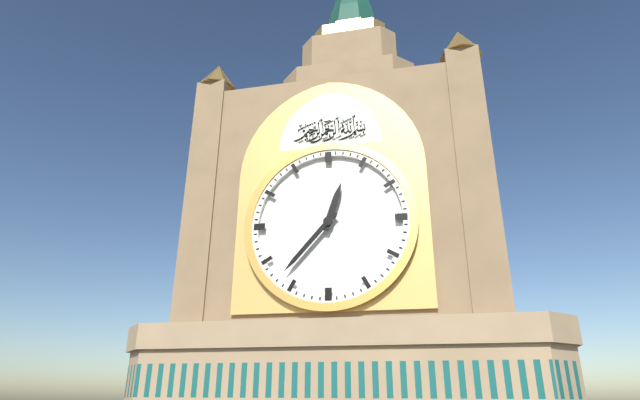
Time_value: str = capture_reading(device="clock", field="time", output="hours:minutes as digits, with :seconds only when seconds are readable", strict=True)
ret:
12:37
